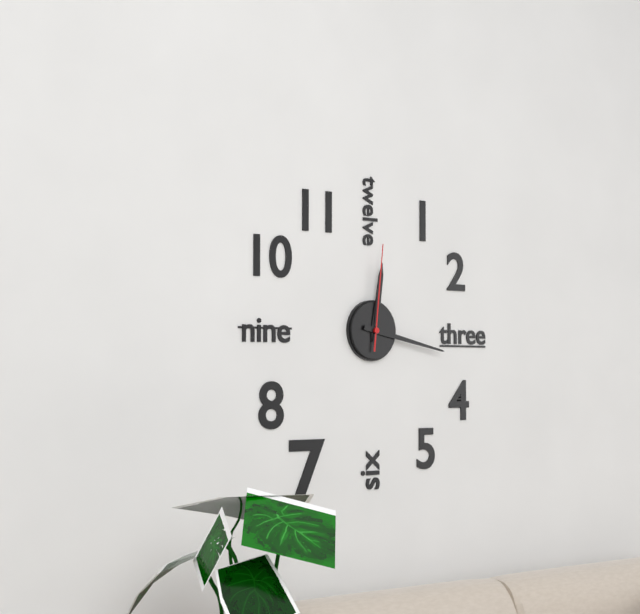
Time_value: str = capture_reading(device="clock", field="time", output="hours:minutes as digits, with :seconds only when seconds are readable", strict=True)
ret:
12:17:01
